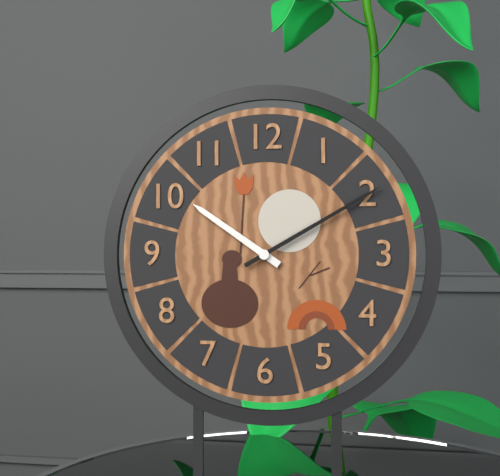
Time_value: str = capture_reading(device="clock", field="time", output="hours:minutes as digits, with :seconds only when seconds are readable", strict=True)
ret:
10:10
